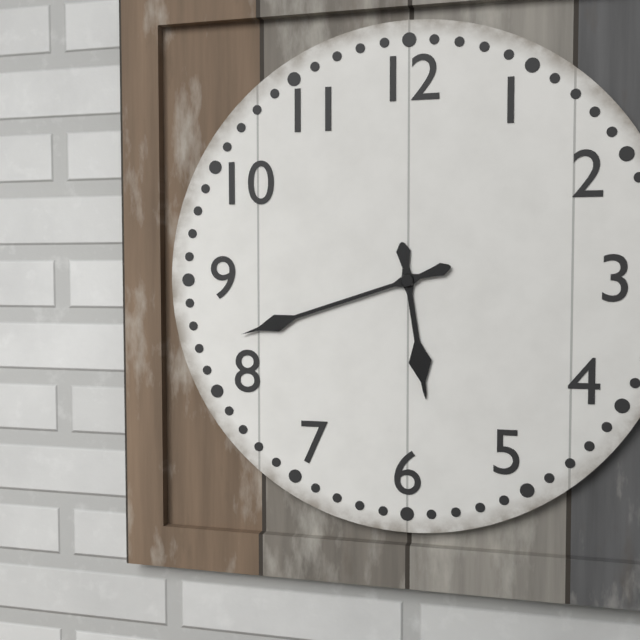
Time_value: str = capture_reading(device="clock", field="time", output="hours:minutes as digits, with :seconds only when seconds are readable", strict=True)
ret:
5:42
